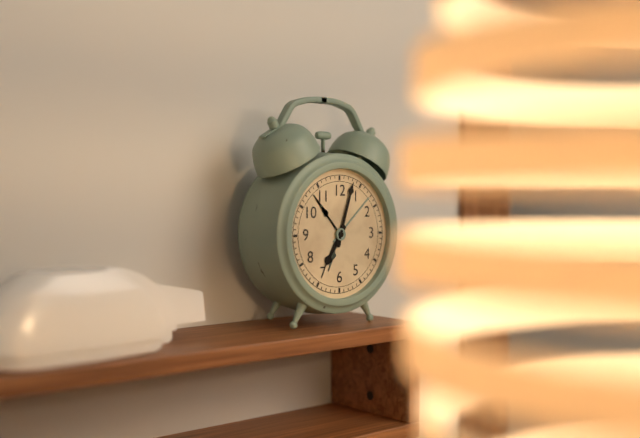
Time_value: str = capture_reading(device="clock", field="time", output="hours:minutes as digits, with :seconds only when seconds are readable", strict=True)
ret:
7:03
